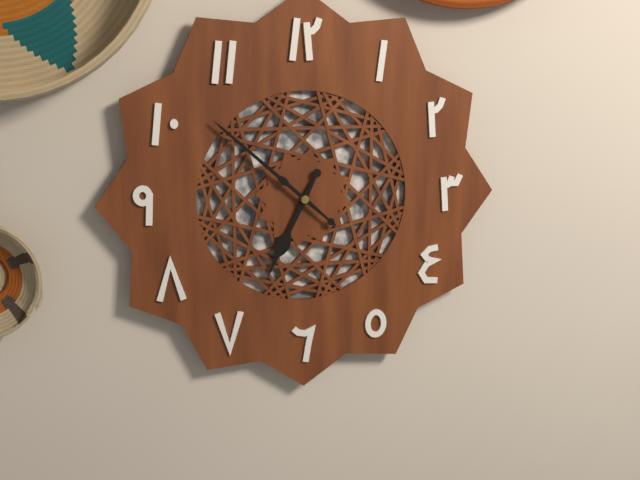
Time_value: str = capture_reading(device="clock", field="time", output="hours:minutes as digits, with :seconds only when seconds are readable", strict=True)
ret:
6:52
